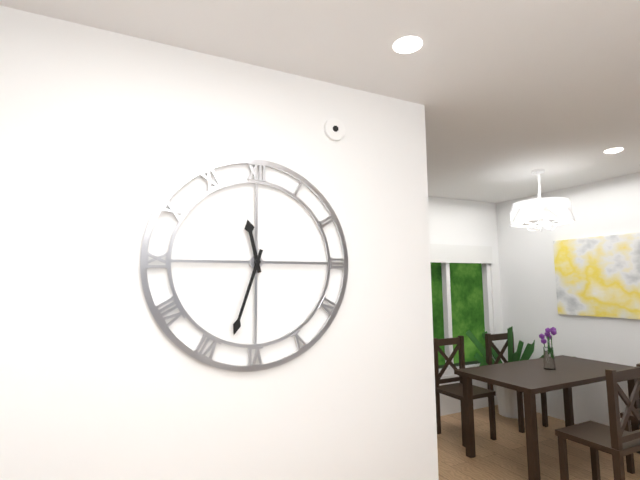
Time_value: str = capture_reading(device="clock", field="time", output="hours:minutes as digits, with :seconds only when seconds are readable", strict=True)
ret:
11:33
